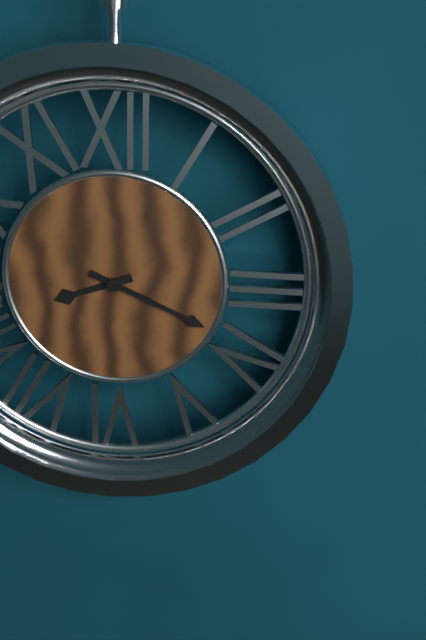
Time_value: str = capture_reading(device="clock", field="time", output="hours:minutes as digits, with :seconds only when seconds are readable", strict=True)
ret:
8:19
